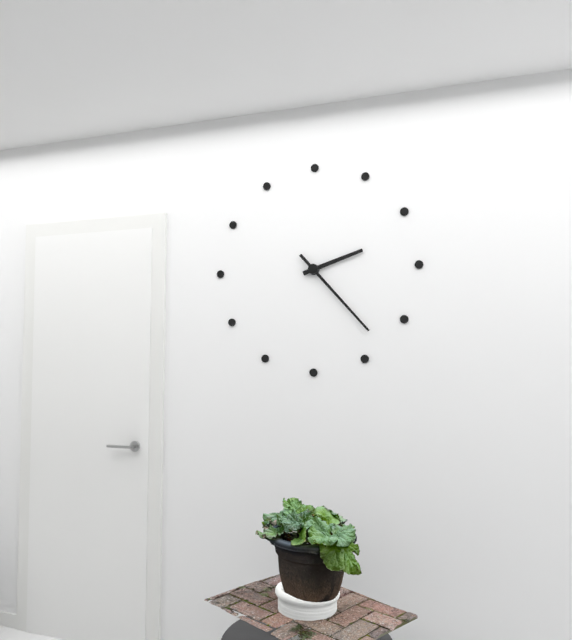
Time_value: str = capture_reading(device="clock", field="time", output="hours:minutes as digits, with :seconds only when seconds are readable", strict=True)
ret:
2:23
